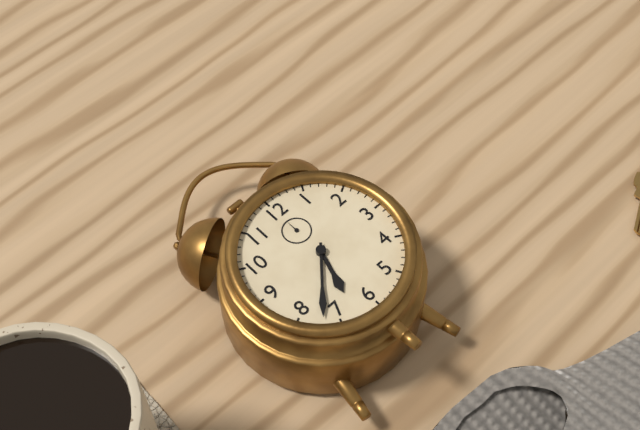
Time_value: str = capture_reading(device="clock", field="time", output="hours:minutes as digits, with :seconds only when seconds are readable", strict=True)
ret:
6:37
